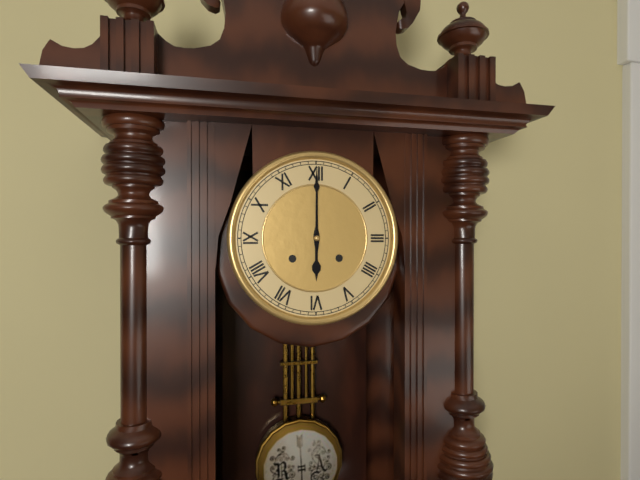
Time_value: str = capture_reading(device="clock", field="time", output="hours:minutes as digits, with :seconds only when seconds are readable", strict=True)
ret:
6:00
